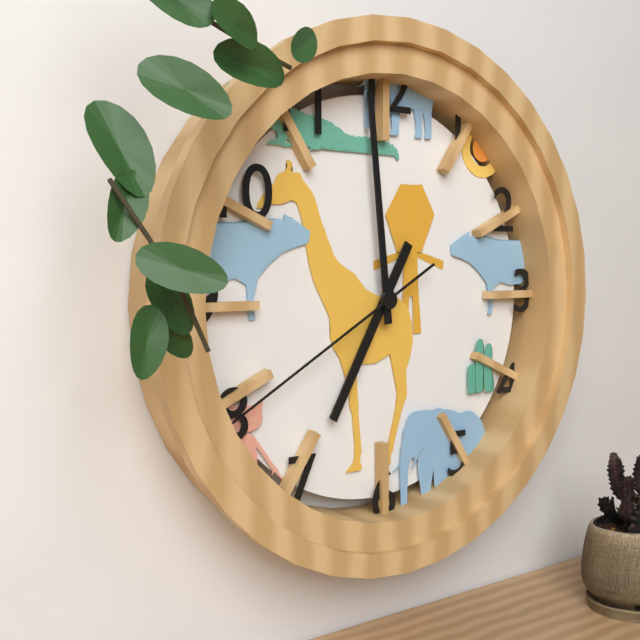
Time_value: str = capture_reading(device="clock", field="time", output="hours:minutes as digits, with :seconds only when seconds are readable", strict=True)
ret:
6:59:40
